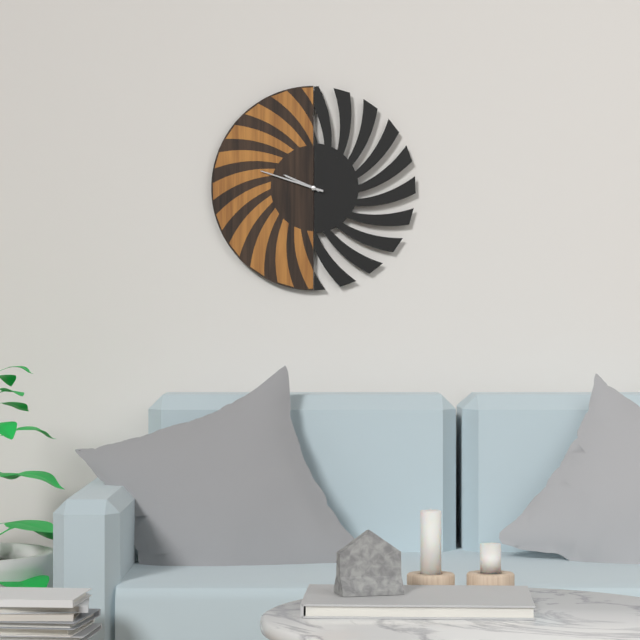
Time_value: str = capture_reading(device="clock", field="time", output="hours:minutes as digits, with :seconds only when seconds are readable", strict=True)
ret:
9:48
